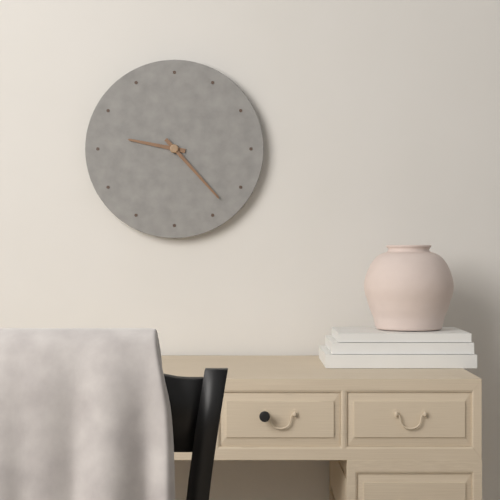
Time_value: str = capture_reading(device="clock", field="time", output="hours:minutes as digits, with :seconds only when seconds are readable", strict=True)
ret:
9:23
